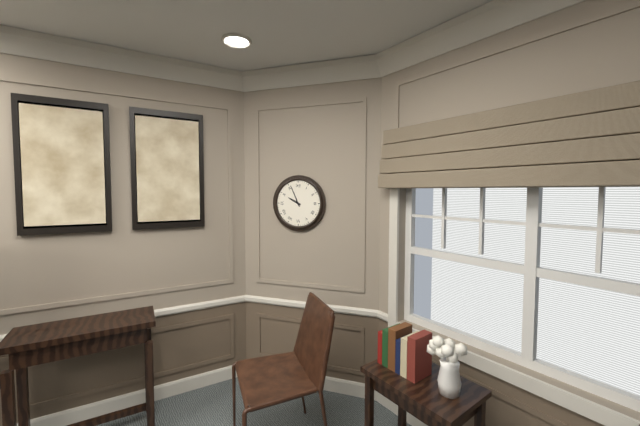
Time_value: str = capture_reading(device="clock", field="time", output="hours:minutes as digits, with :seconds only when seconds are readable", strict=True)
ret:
9:56
